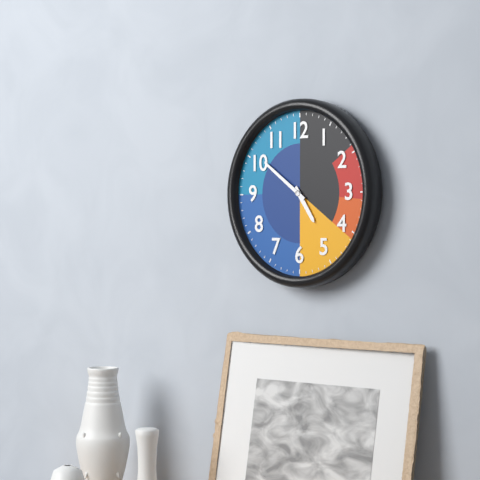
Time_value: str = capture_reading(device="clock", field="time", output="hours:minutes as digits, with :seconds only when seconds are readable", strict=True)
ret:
4:51
